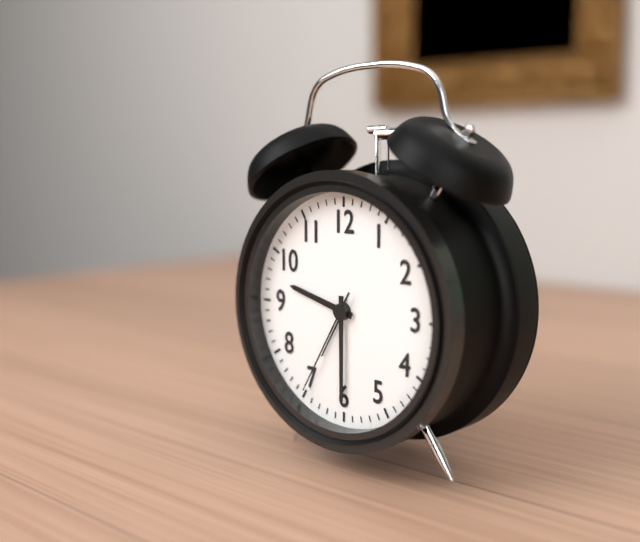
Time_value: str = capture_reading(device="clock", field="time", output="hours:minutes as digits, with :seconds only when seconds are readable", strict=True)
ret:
9:30:35
